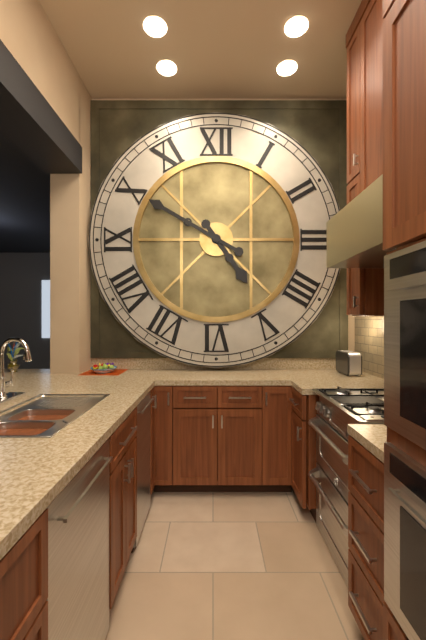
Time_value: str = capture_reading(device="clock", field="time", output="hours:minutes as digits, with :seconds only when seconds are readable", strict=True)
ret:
4:50
